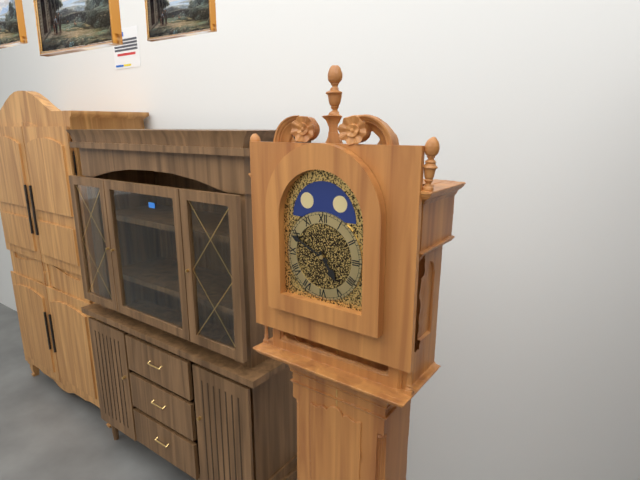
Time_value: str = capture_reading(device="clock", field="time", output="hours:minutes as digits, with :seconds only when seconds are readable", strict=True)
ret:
4:49
